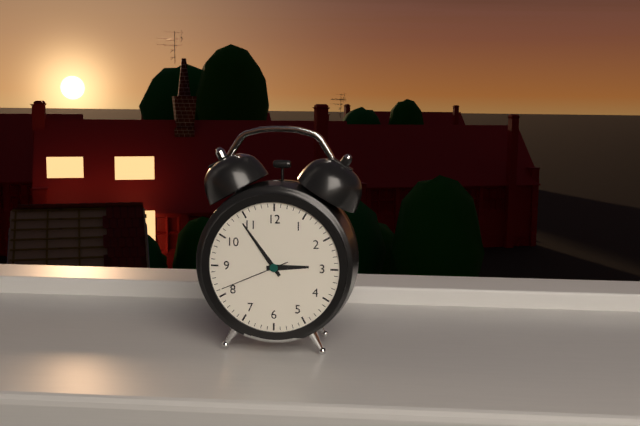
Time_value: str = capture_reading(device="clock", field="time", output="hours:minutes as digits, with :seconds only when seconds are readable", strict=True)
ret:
2:54:41
